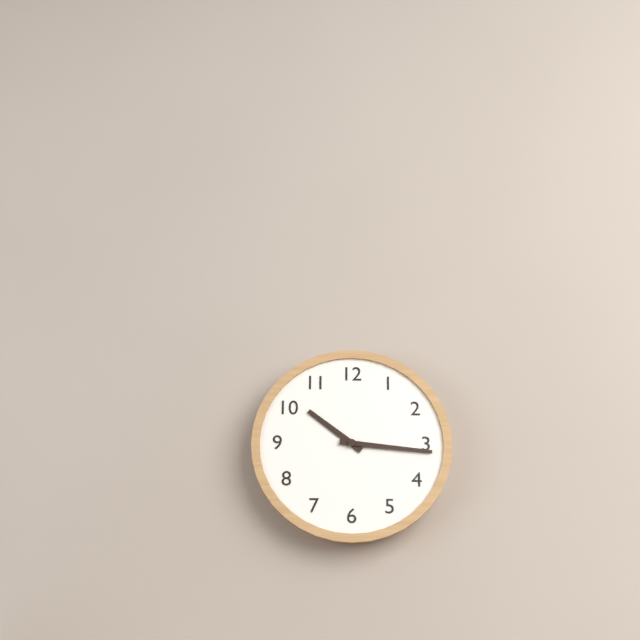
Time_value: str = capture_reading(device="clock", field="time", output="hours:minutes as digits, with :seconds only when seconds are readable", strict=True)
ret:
10:16
